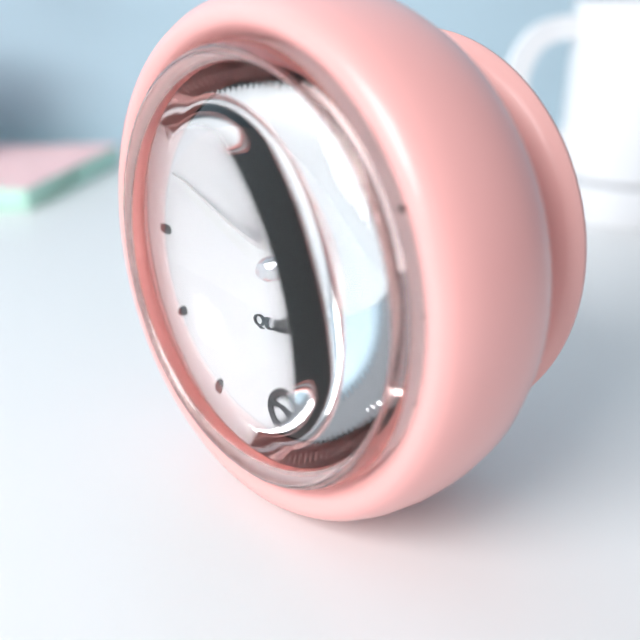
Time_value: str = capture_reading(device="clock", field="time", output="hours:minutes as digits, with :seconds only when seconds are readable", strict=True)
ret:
4:49
